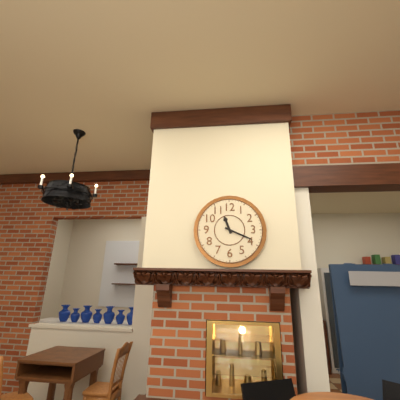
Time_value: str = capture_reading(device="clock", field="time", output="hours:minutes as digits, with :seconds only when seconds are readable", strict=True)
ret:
11:19
